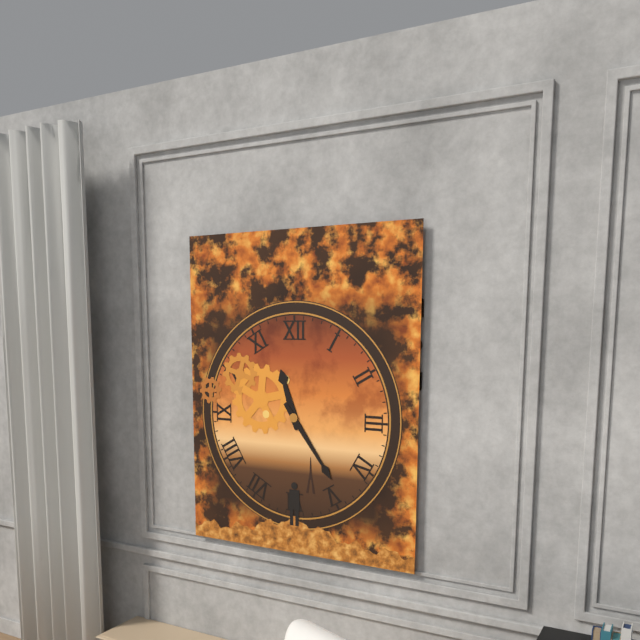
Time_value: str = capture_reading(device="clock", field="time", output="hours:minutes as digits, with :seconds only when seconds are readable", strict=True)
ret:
11:24
